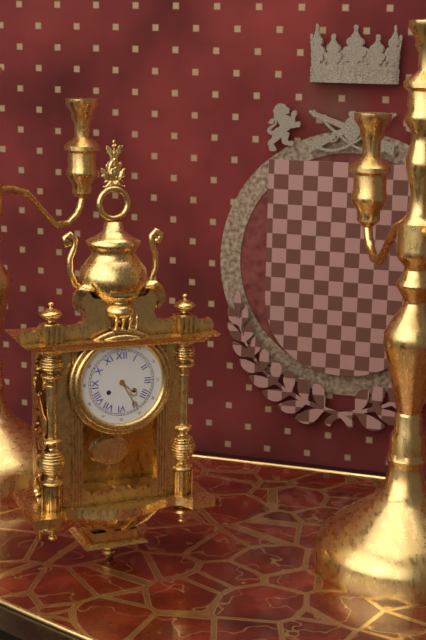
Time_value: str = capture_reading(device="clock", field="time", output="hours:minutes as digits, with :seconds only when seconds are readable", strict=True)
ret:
4:25
